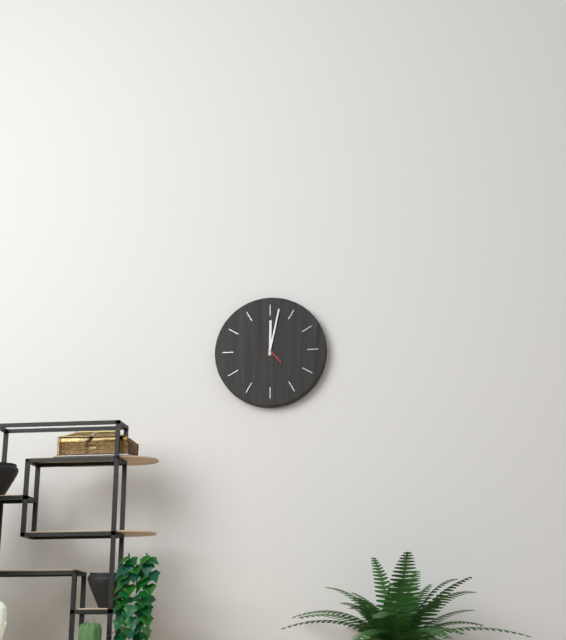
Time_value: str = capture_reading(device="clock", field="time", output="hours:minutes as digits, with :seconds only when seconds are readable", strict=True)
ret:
12:02
